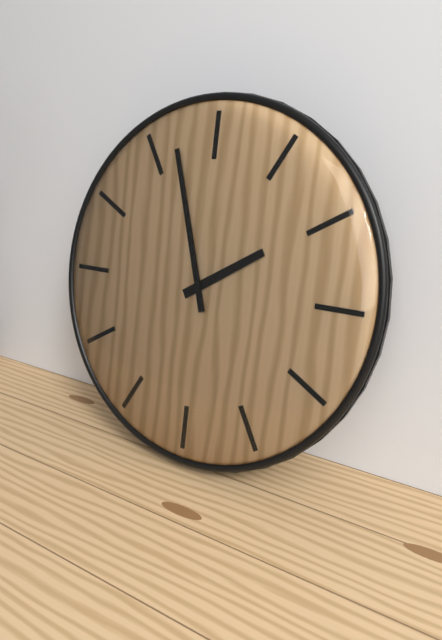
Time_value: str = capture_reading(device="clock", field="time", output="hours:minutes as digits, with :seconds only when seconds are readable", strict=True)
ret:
1:57
